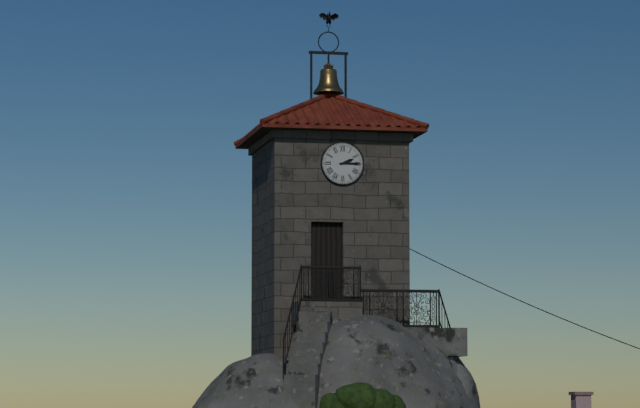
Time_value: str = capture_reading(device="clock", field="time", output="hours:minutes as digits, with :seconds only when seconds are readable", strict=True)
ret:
2:15
